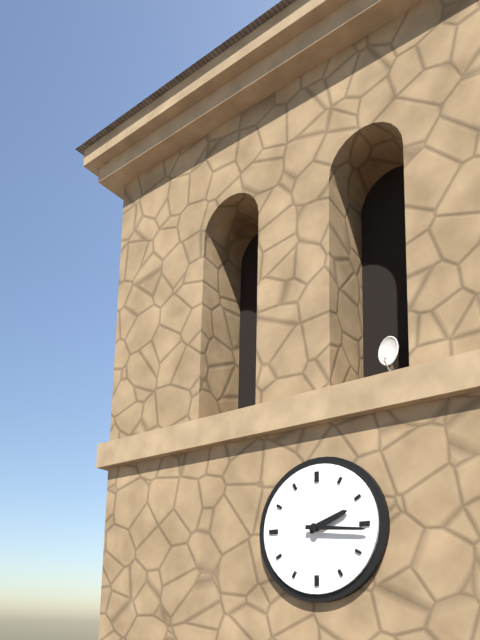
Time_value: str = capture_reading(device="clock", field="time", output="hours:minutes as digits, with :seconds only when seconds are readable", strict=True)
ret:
2:16
